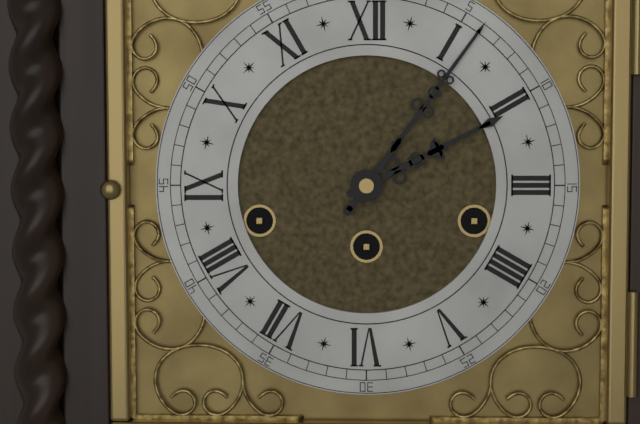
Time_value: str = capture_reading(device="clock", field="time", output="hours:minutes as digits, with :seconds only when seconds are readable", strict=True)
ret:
2:06
